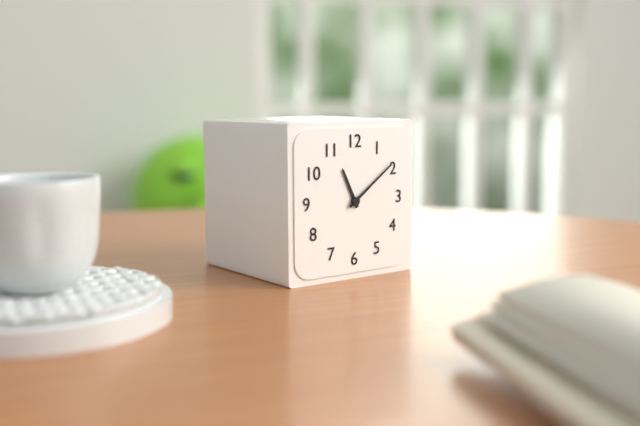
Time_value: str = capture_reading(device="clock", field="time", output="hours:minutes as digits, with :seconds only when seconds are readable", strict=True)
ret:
11:09
